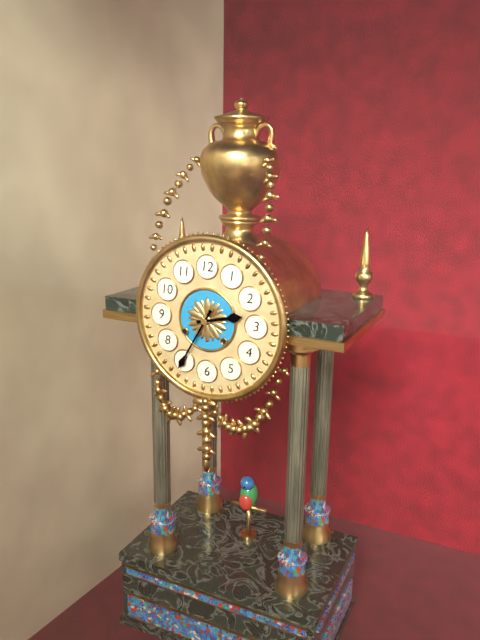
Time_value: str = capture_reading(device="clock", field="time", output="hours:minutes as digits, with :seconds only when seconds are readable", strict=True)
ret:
2:35
